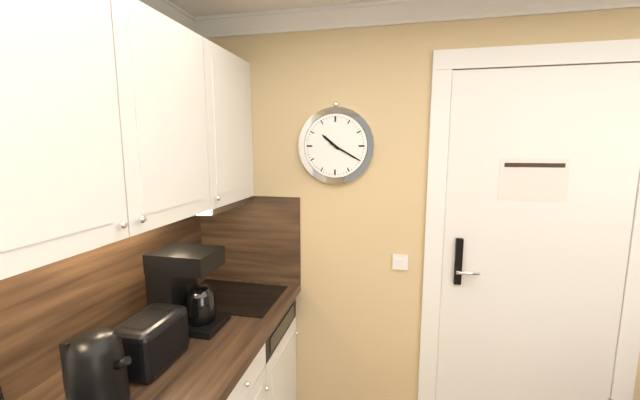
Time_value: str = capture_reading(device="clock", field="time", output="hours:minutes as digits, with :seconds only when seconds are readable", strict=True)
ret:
10:20
